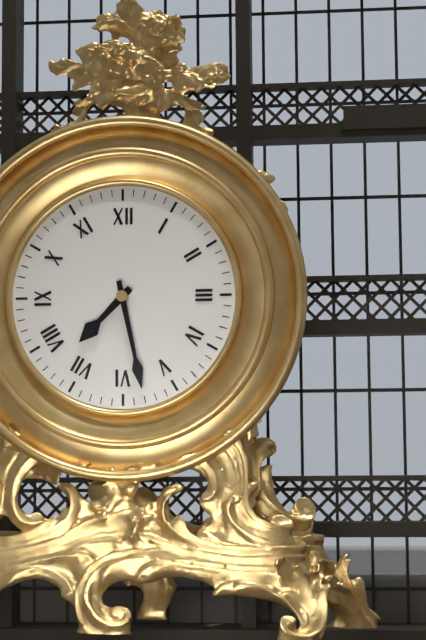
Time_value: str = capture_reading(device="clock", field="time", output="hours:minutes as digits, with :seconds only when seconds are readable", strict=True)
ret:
7:28
